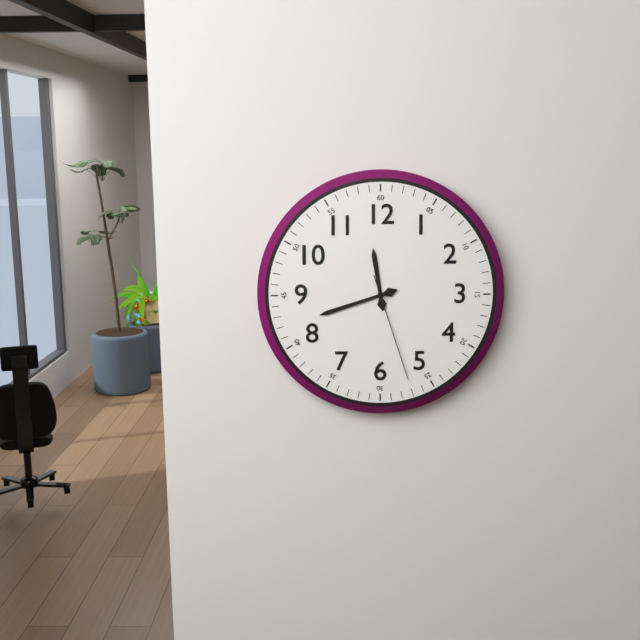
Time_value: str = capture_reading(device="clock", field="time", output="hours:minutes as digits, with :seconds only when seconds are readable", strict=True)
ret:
11:42:27
